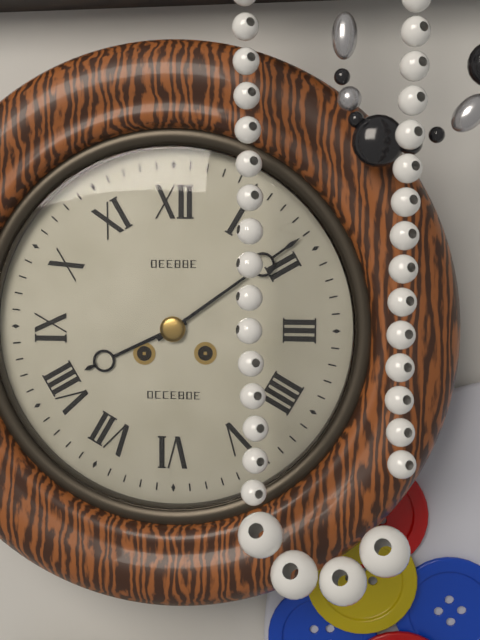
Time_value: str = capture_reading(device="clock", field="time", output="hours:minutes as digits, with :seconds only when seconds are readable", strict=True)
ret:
8:09
